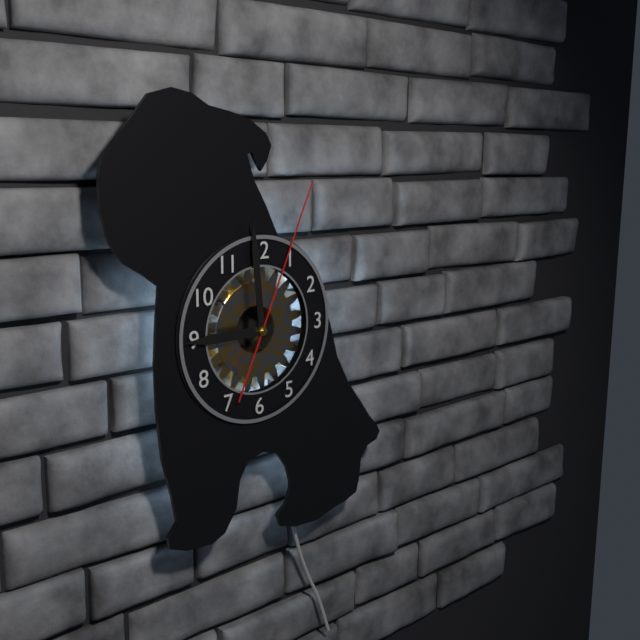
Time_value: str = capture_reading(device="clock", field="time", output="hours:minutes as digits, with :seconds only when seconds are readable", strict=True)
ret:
8:59:04
